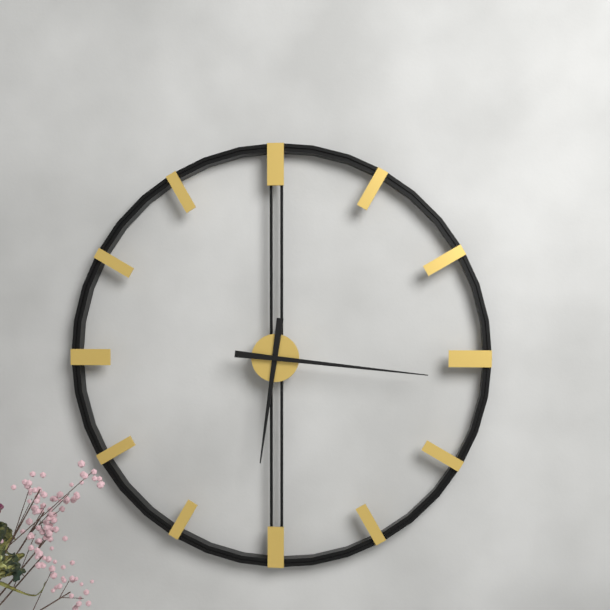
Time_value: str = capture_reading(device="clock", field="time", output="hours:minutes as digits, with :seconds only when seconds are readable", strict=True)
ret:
6:16
